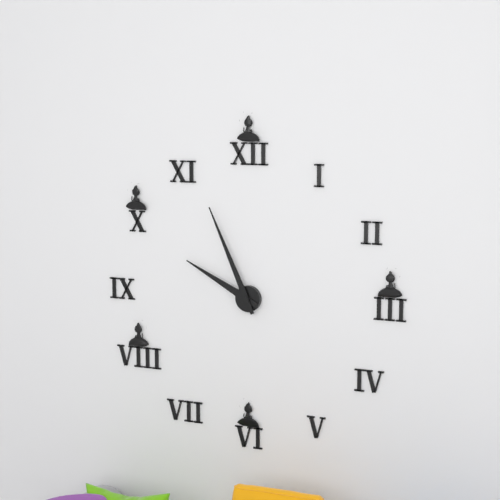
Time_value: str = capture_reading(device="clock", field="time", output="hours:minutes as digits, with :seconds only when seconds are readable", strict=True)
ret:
9:56
